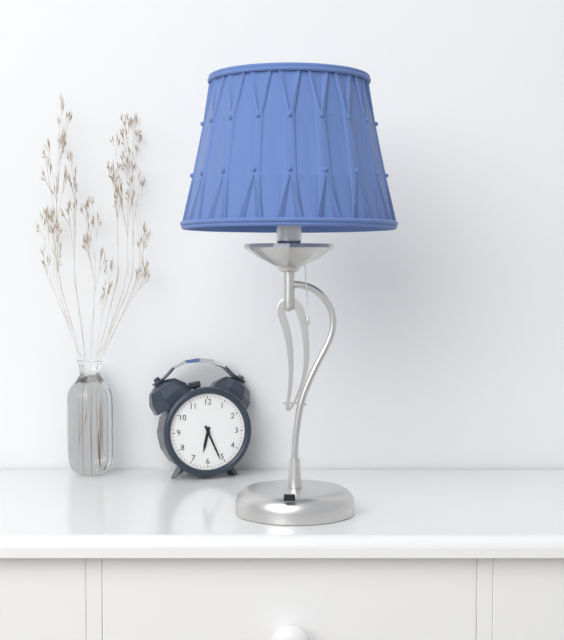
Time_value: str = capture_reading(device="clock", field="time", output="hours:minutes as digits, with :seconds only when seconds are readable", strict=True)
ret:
6:26
